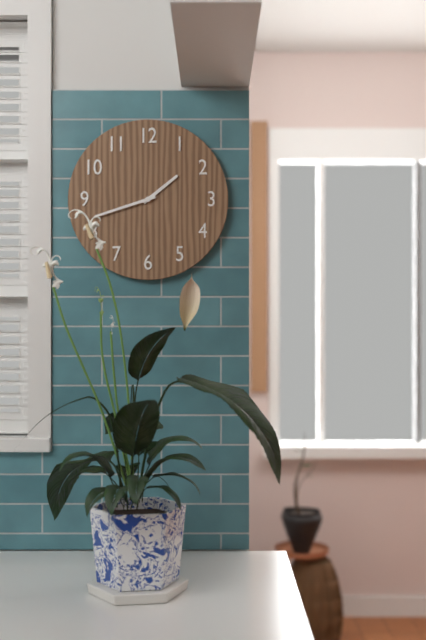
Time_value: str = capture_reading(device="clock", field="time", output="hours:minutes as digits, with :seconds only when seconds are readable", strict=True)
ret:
1:42
